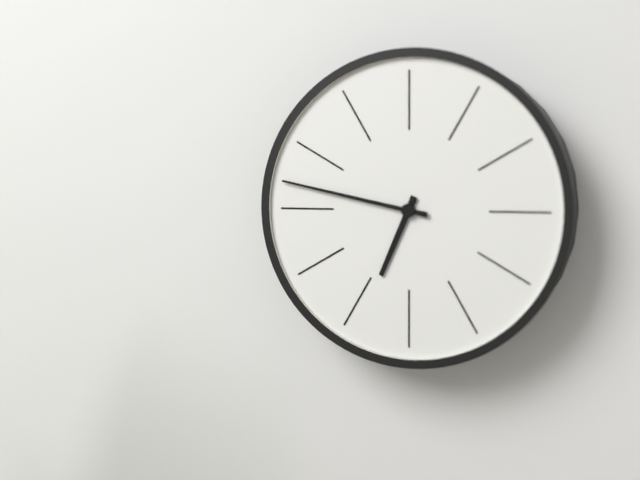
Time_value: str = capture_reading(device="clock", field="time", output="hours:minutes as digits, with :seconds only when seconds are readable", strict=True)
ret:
6:47
